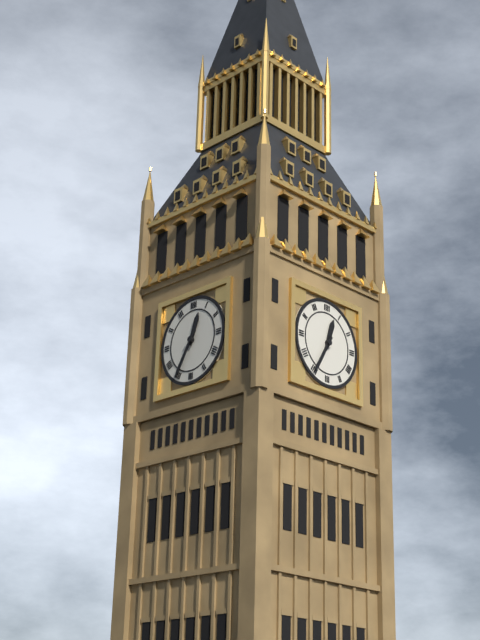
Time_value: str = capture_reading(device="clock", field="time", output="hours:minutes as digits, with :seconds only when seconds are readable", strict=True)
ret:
12:35
